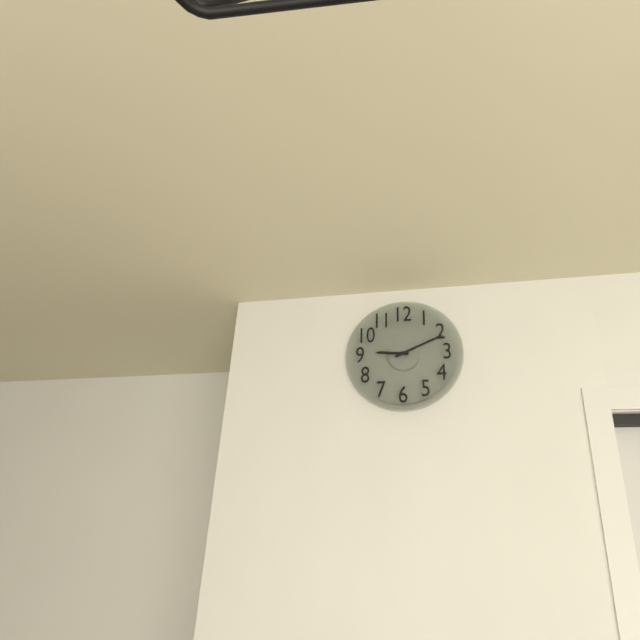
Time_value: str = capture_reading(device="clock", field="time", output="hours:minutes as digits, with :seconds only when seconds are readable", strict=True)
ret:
9:11
